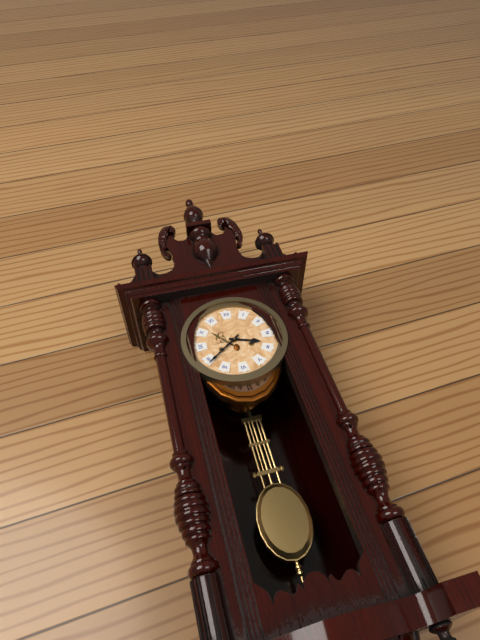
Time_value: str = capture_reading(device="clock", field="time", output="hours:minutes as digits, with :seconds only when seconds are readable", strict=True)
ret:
3:39
